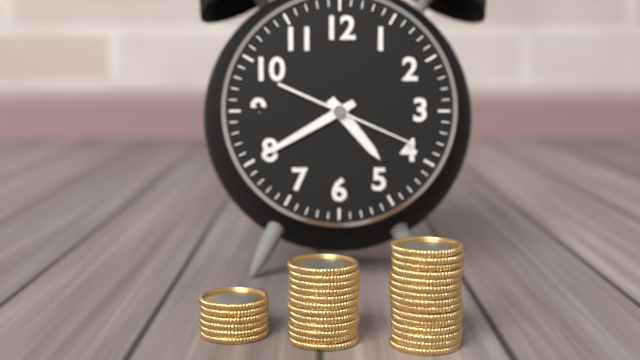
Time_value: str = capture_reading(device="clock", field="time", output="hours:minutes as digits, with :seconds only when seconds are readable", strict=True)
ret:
4:40:19
